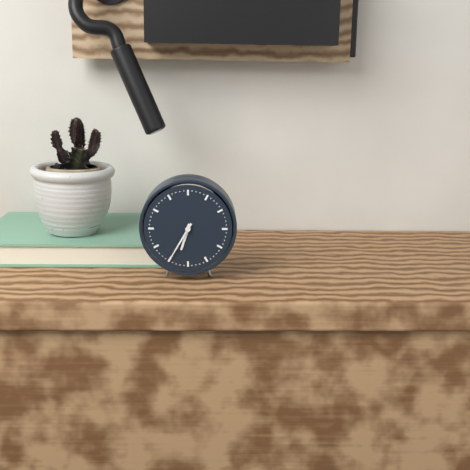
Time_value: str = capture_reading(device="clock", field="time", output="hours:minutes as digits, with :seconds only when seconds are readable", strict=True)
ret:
6:35
